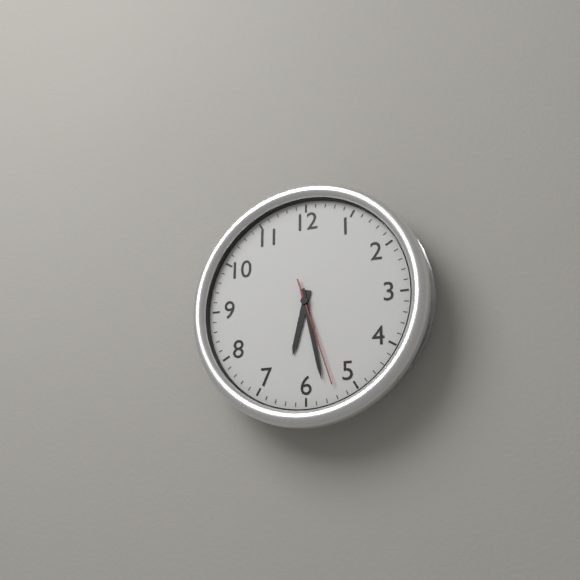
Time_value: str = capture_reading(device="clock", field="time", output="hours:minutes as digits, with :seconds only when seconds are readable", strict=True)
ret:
6:28:27
